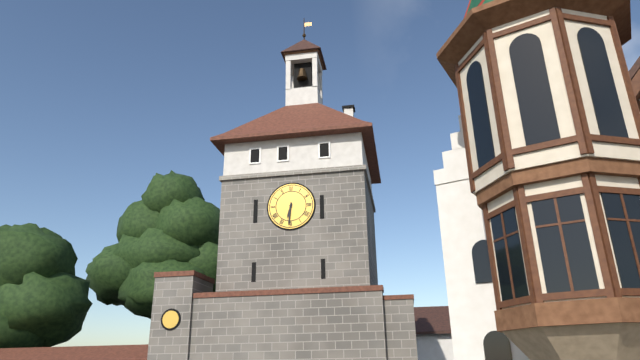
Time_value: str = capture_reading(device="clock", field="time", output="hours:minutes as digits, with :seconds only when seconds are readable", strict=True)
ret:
6:31
